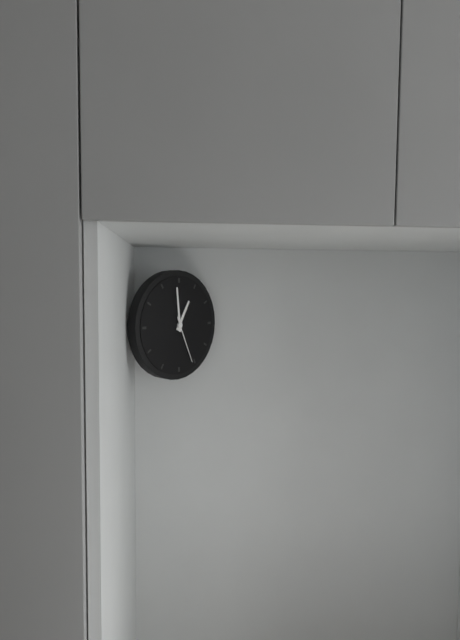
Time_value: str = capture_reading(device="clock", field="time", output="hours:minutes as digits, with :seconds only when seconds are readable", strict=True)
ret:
12:59
